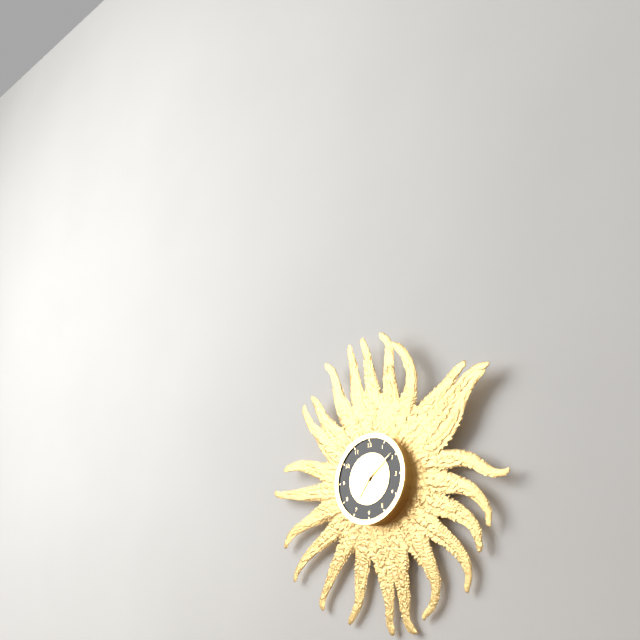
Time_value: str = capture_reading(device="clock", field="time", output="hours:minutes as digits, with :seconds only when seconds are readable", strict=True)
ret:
7:09
